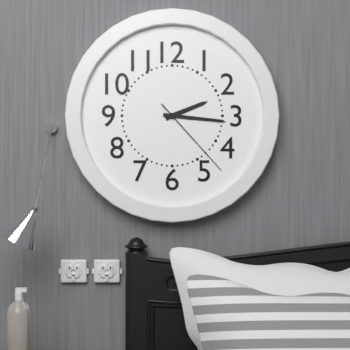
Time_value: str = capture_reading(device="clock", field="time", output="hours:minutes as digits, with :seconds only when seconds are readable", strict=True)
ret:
2:16:23
